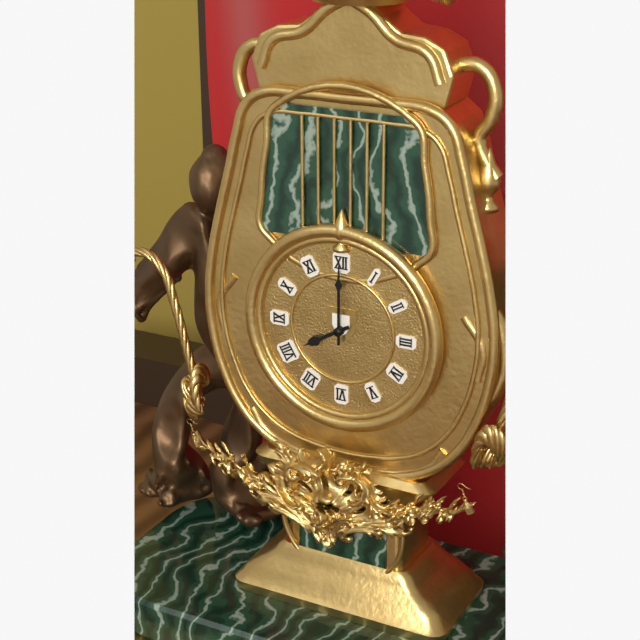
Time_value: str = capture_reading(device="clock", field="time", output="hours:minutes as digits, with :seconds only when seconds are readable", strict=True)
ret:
8:00
